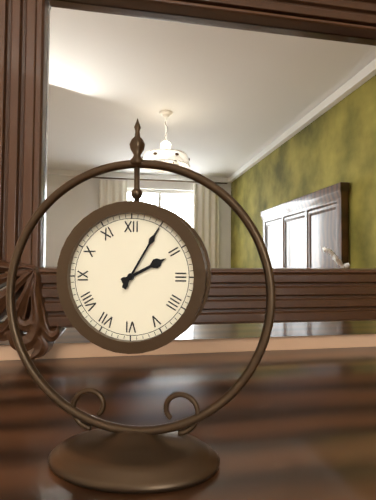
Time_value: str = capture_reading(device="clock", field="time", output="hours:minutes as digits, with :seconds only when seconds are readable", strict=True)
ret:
2:05
